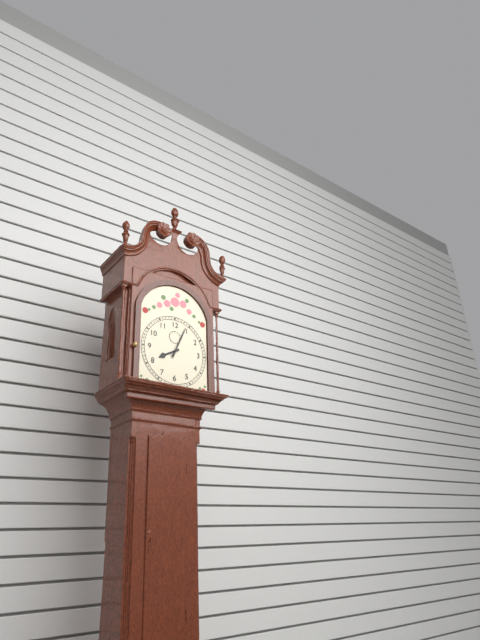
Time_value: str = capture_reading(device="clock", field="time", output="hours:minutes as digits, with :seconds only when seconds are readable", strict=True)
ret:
8:04
